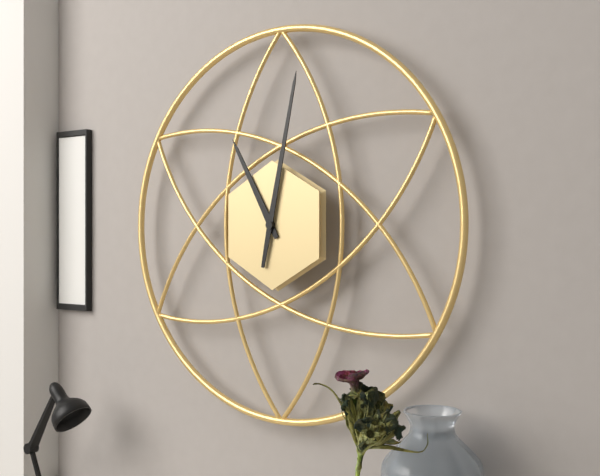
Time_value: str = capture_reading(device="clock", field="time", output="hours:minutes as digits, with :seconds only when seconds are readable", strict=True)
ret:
11:02
